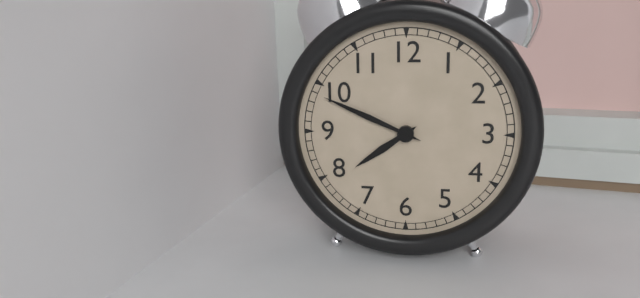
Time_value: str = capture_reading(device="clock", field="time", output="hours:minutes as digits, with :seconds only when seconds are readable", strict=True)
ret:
7:49
